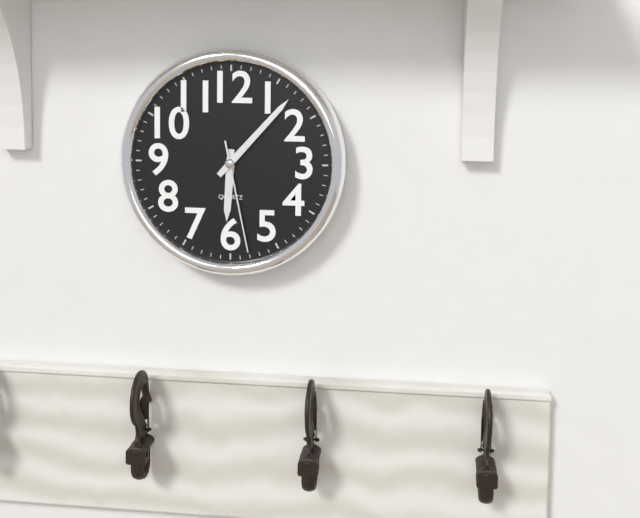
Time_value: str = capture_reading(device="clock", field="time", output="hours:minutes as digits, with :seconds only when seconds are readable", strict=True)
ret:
6:07:28
